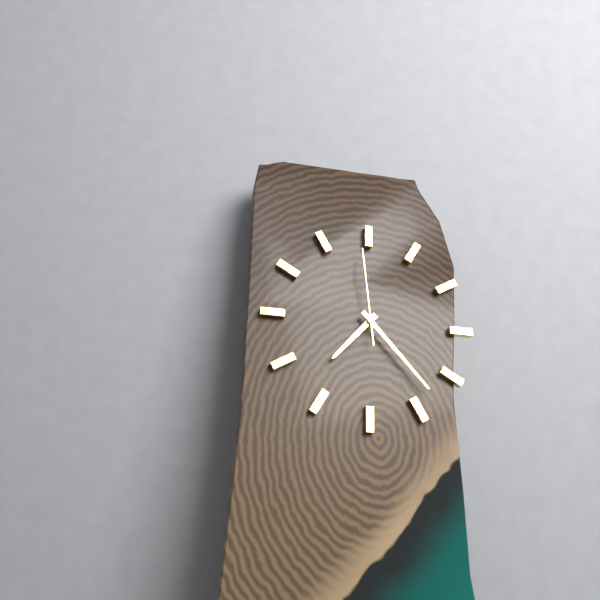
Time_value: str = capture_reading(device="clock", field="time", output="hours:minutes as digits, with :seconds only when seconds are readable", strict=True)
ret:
7:23:59
